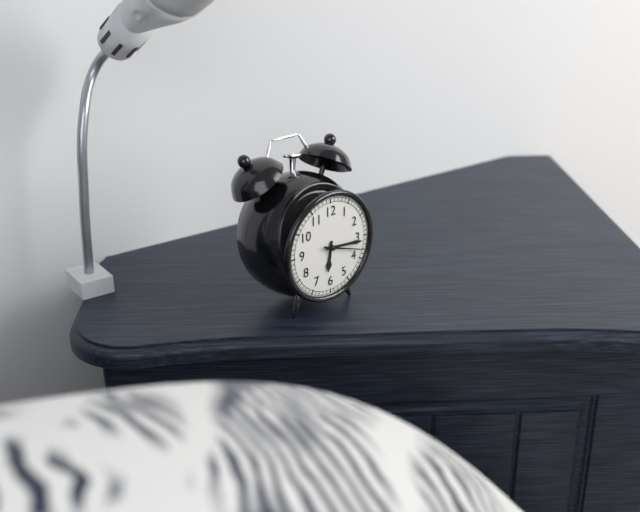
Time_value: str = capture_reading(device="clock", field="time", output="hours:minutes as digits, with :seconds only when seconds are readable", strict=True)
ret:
6:16
